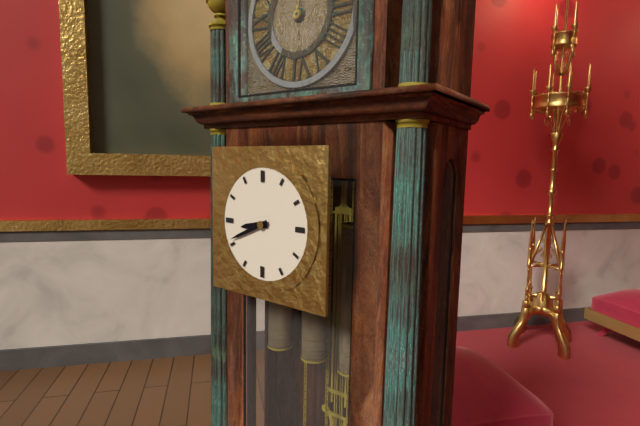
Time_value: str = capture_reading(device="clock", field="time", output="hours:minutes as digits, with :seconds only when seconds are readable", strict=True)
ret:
8:41
